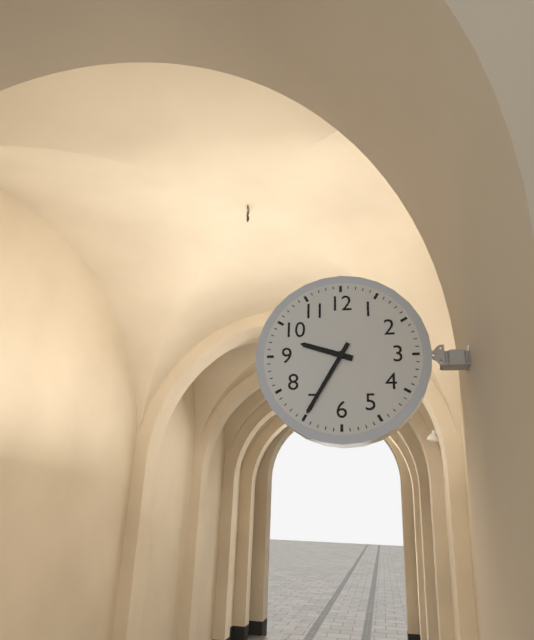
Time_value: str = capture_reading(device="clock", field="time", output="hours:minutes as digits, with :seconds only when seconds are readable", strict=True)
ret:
9:35
